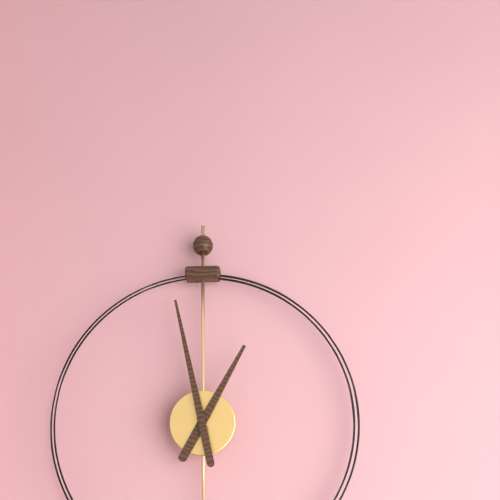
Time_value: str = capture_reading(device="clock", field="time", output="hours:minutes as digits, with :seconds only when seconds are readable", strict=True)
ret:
12:58
